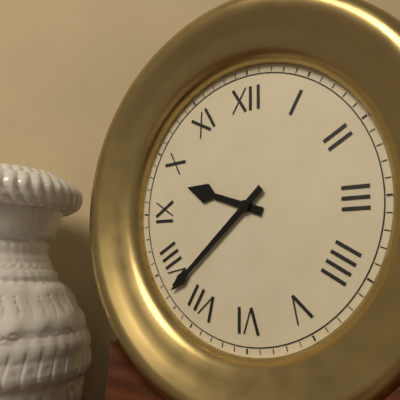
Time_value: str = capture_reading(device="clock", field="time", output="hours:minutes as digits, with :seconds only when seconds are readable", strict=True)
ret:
9:38
